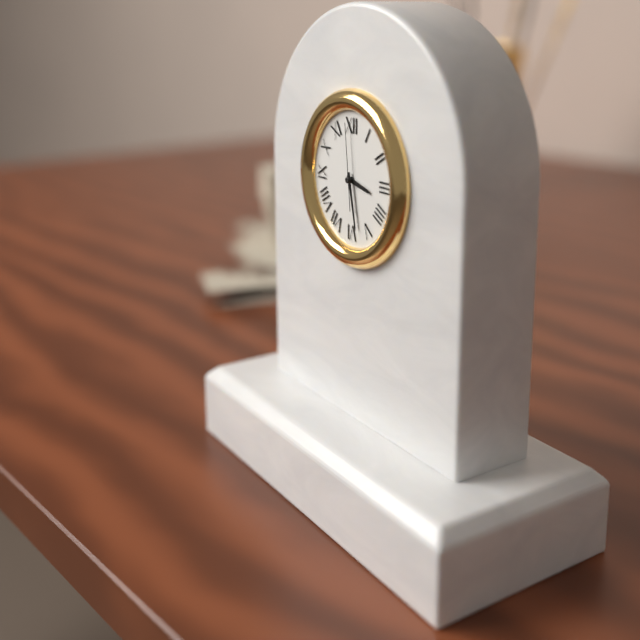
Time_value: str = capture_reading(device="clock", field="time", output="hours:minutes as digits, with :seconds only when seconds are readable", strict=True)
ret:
3:28:59
